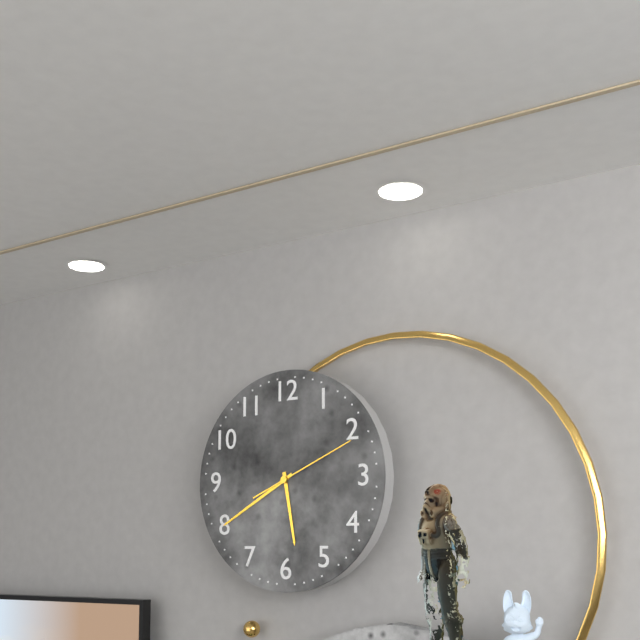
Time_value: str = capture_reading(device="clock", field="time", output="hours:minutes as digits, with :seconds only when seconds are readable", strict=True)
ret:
5:40:11
